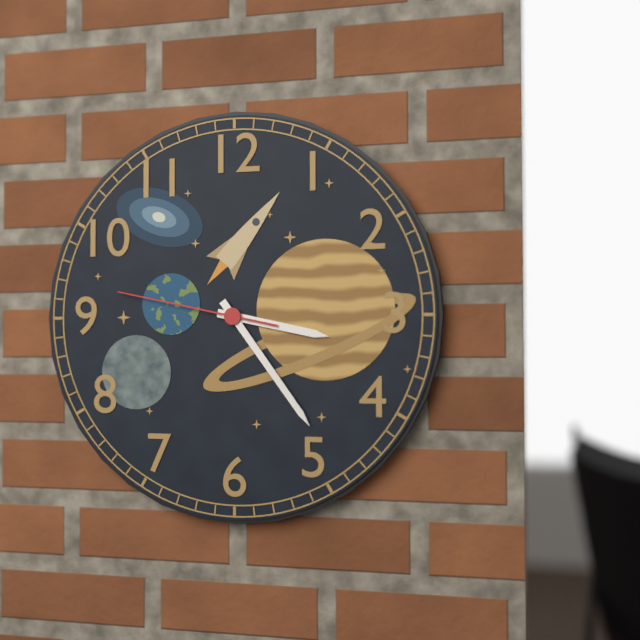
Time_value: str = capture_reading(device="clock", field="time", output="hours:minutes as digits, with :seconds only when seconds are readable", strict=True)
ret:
3:24:47
